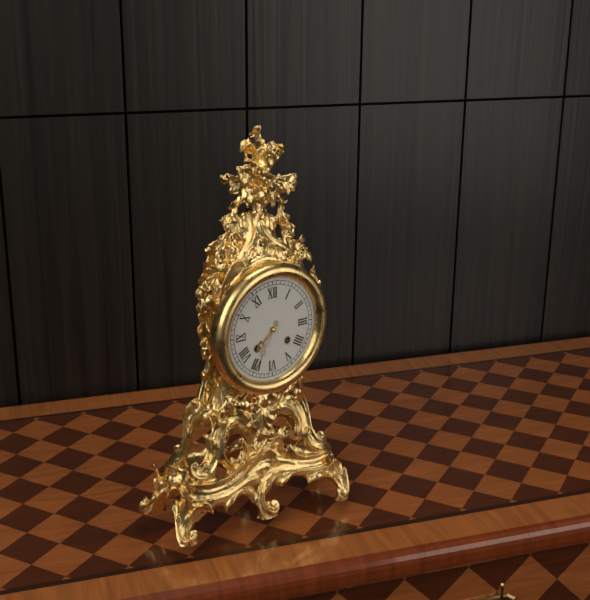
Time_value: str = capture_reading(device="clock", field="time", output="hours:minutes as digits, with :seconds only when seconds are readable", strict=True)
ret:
7:35
